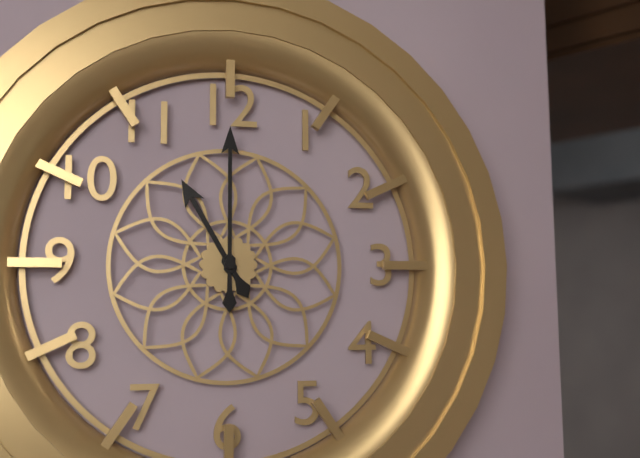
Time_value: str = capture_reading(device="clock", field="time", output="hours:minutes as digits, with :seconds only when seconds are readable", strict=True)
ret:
11:00
